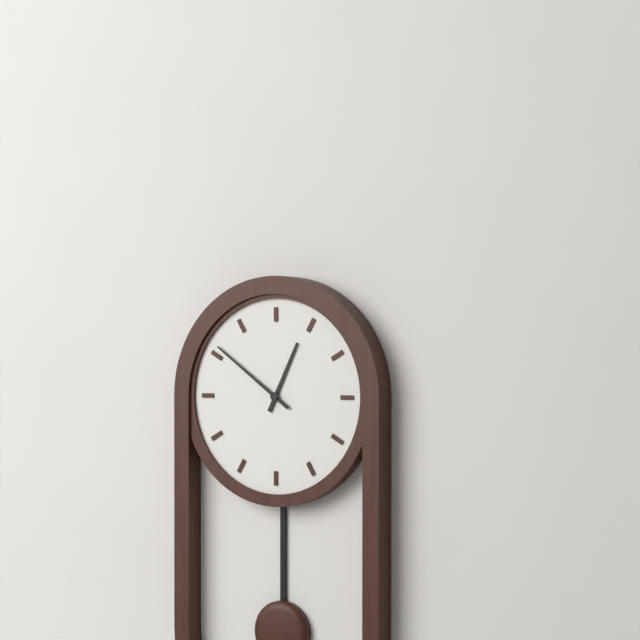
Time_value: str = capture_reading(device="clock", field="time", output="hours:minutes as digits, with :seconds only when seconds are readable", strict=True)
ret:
12:51
